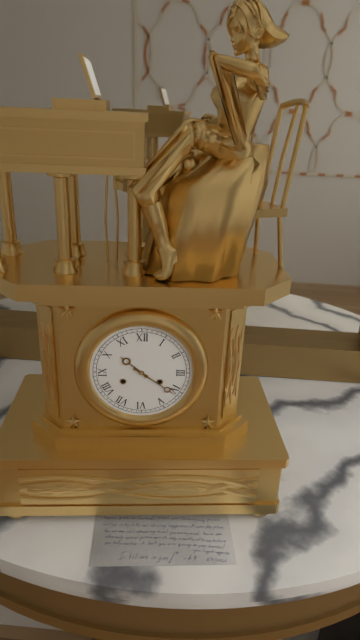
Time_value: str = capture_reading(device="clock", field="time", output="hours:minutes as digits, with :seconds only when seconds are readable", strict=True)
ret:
10:21
